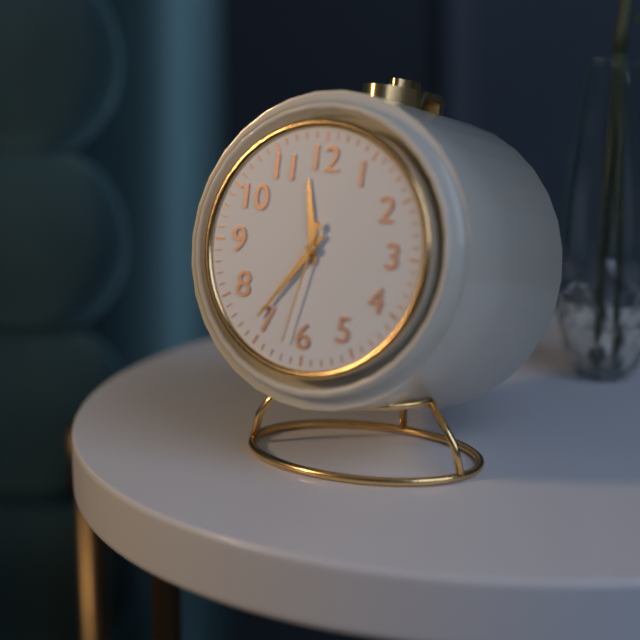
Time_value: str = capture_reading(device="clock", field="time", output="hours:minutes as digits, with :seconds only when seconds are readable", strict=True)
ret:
11:36:32
